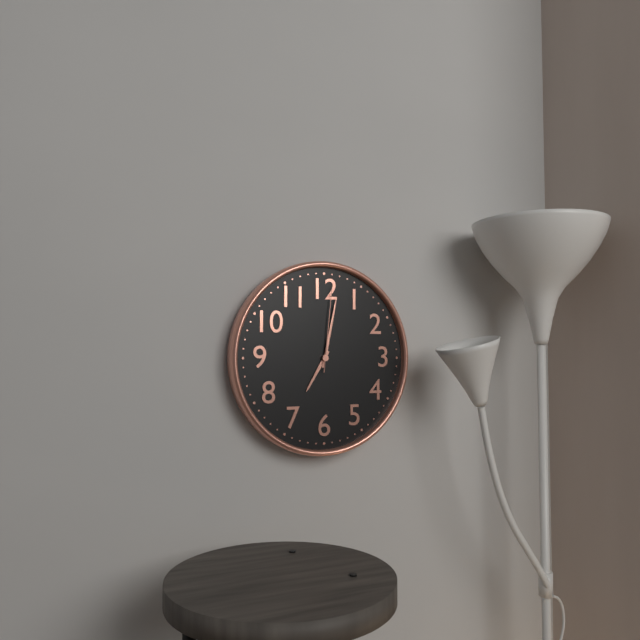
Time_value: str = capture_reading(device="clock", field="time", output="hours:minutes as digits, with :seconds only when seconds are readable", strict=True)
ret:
7:02:01
